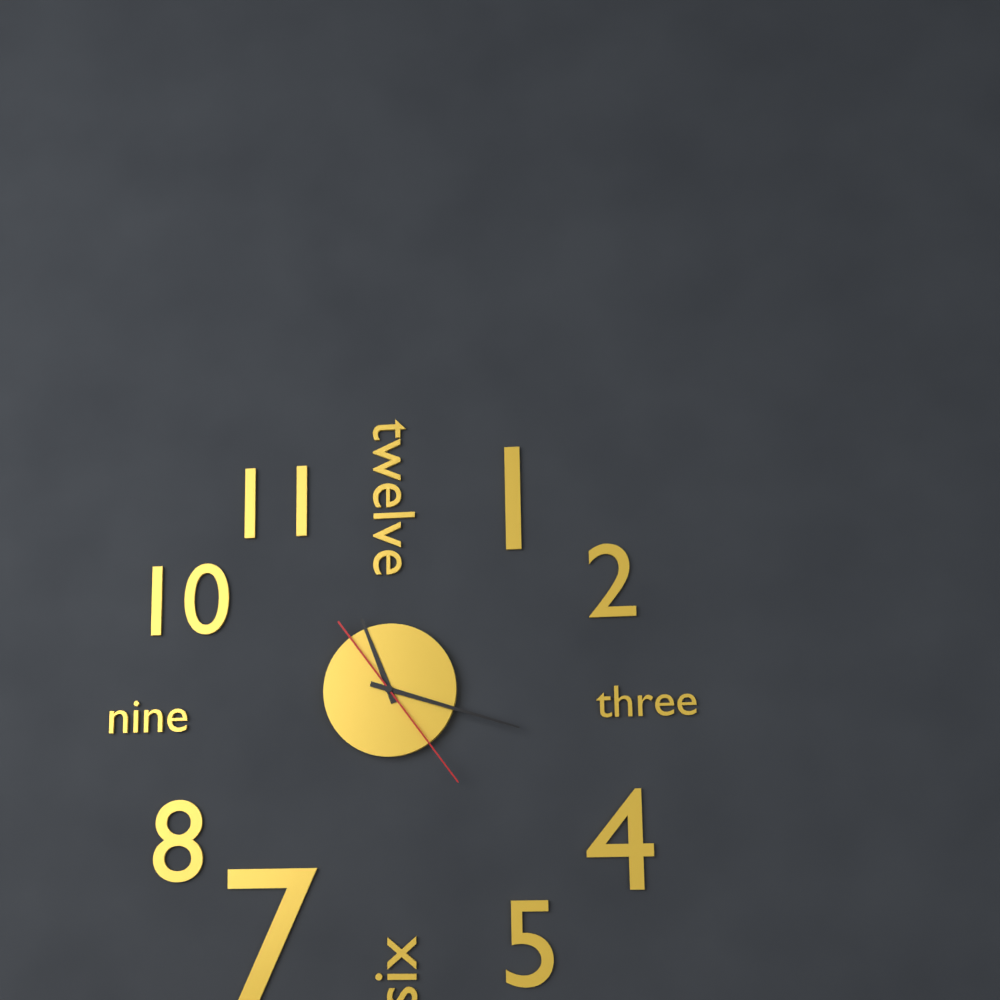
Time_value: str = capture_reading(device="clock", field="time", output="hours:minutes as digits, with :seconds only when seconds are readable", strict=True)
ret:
11:18:24
